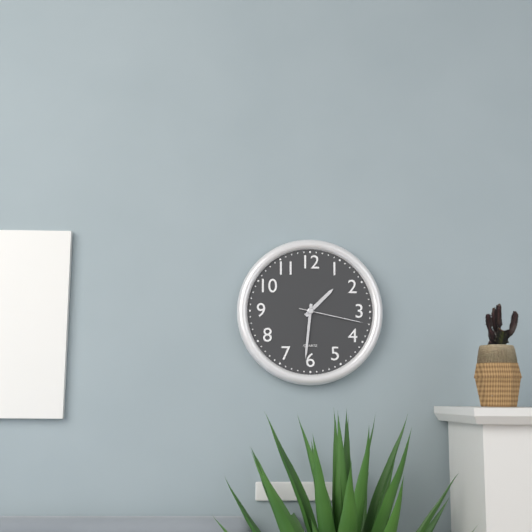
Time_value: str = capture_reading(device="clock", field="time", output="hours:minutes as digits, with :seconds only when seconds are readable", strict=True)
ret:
1:31:17
